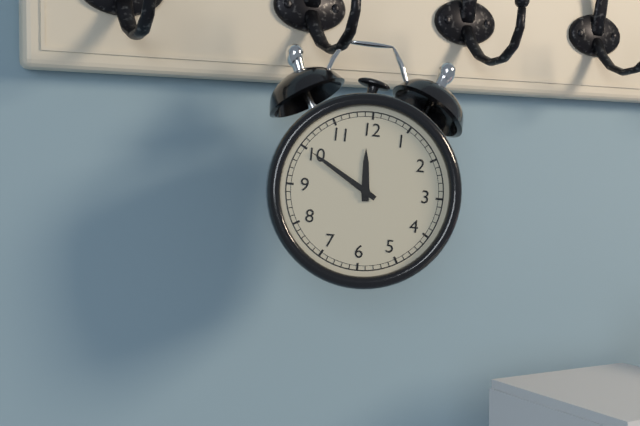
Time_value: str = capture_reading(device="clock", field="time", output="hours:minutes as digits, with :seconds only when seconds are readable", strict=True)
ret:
11:50
